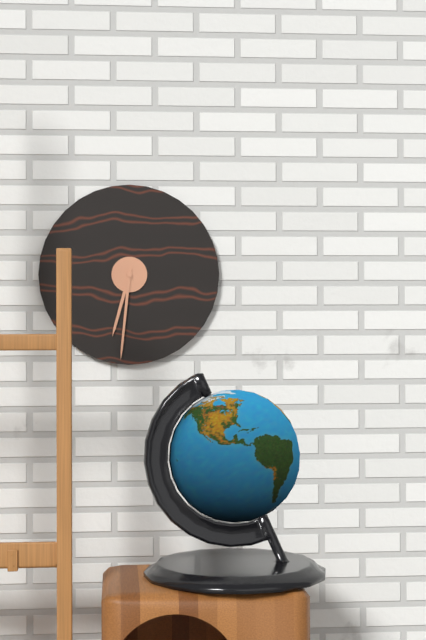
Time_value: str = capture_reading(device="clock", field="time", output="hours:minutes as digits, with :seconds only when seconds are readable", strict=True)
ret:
6:31
